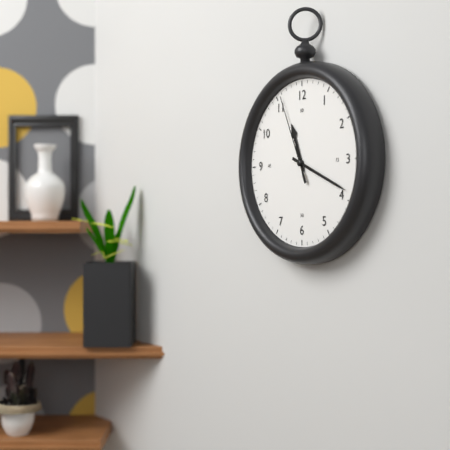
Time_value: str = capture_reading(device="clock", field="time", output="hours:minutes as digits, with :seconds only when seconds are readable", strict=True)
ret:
11:19:56
